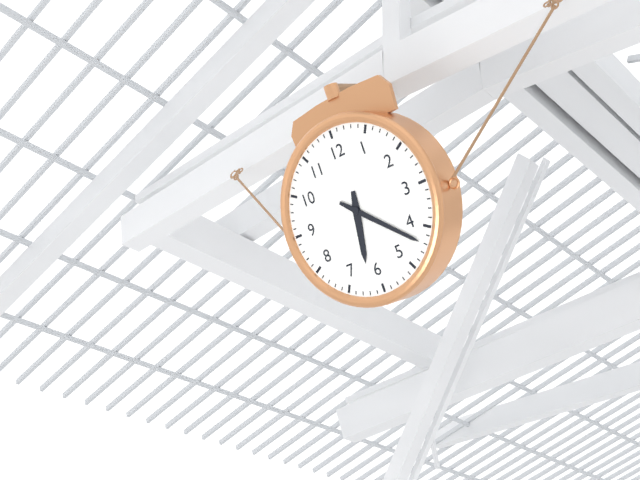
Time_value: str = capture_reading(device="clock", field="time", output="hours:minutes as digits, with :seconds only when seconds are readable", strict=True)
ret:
6:22
